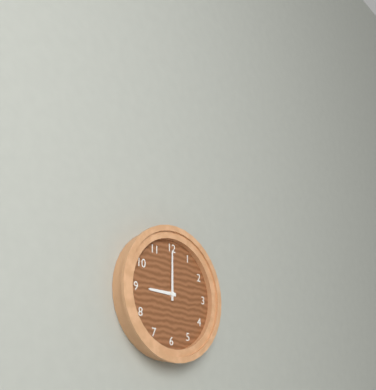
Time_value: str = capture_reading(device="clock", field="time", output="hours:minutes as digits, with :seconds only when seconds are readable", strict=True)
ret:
9:00
